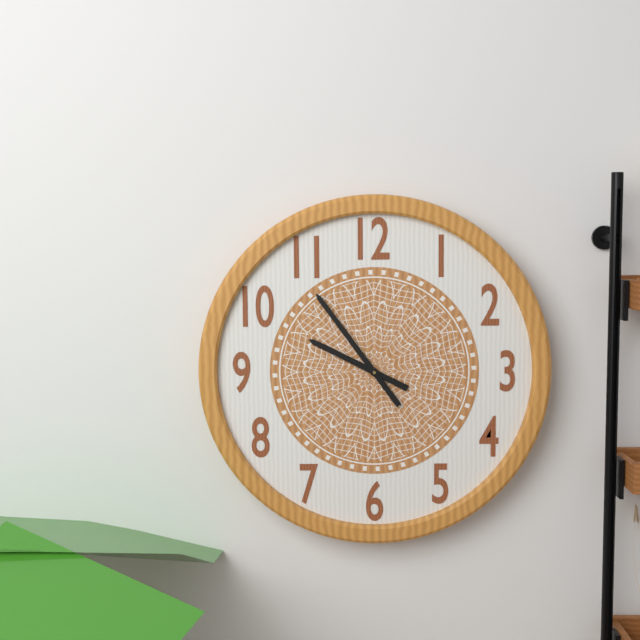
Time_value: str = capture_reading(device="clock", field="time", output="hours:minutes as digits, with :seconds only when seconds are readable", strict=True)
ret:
9:54
